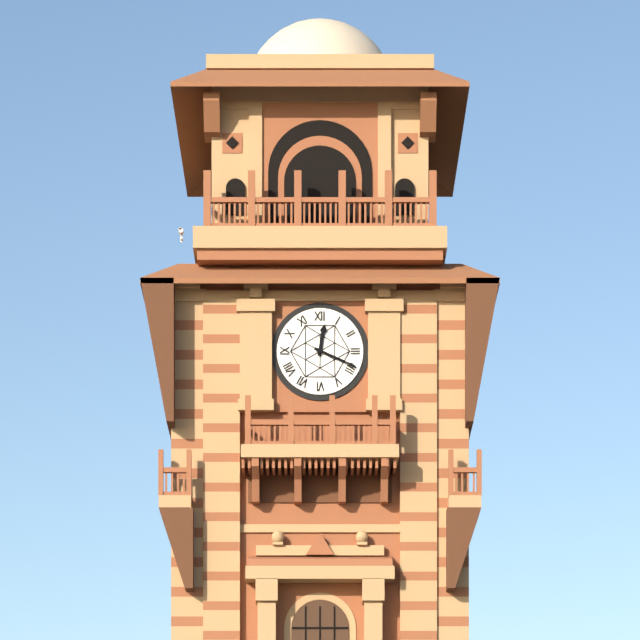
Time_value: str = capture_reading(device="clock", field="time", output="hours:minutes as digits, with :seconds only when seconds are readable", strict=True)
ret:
12:19
